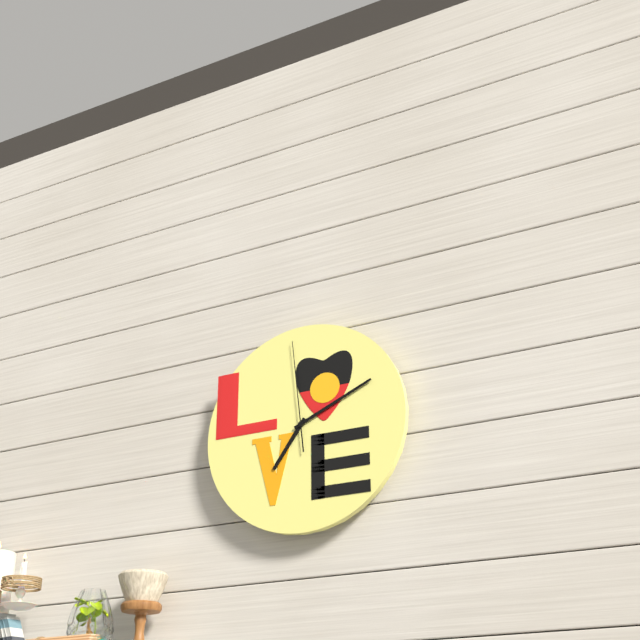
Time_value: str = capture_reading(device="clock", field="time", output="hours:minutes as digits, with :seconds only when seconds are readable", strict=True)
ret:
7:11:59
